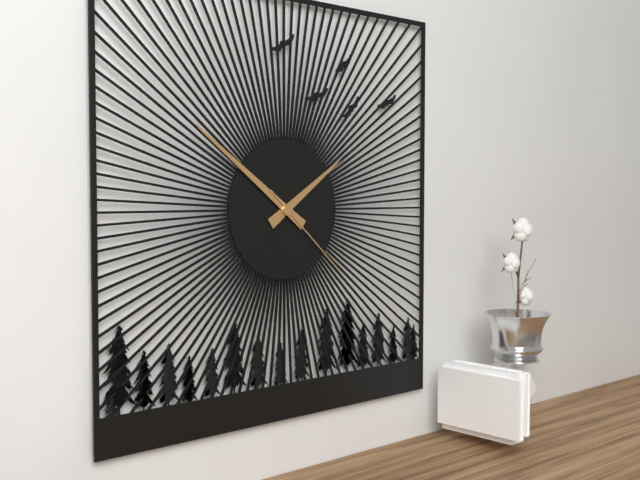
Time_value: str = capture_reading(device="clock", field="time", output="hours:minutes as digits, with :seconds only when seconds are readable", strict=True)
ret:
1:51:22
